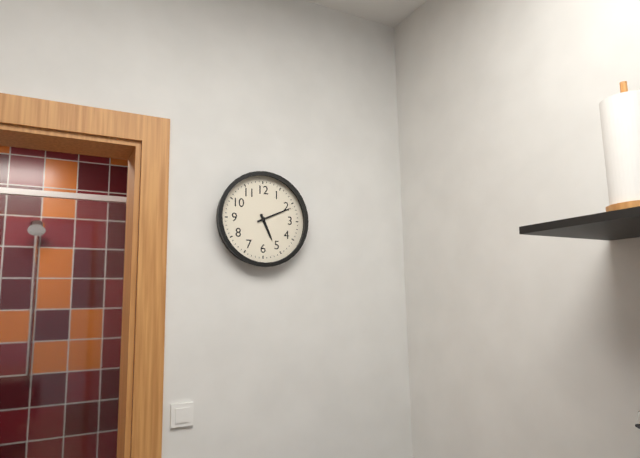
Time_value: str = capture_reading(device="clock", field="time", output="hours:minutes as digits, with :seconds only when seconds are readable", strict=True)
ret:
5:11
